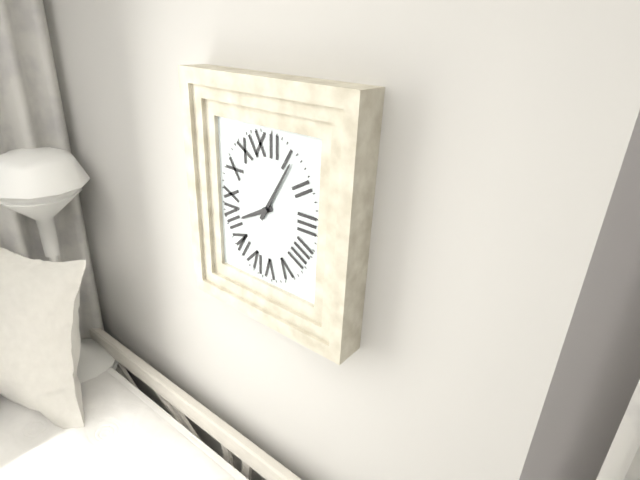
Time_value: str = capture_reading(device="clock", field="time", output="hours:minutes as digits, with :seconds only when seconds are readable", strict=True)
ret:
8:05
